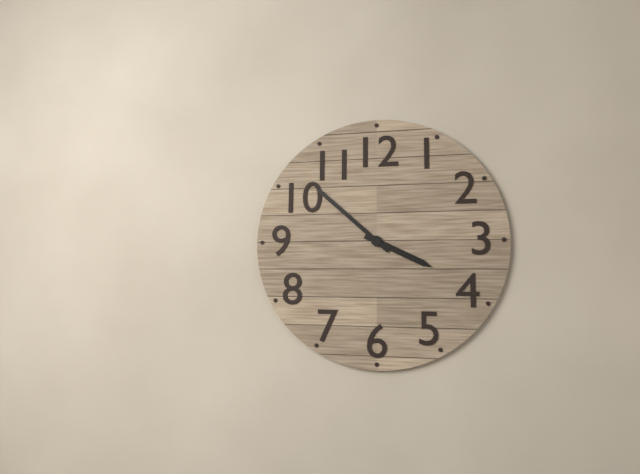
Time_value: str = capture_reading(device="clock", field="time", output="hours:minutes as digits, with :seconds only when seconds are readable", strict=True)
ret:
3:52
